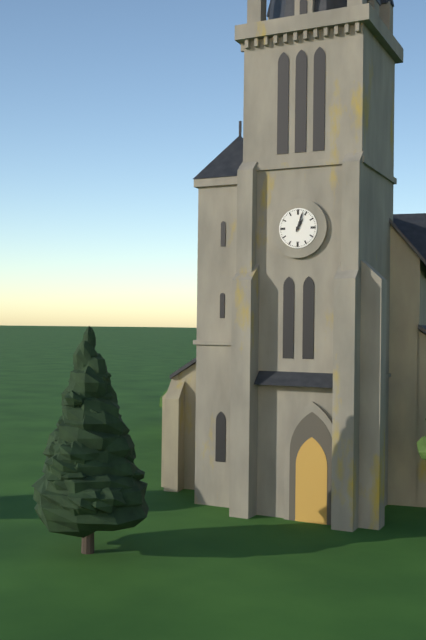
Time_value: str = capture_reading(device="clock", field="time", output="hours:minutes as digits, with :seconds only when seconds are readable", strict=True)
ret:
1:03
